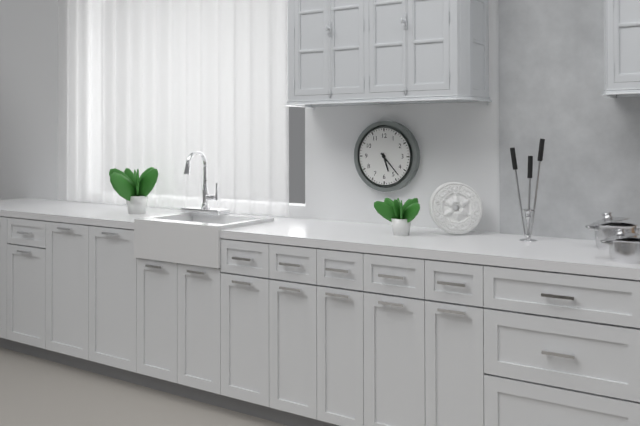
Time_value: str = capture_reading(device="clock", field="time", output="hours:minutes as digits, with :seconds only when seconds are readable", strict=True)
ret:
5:23
